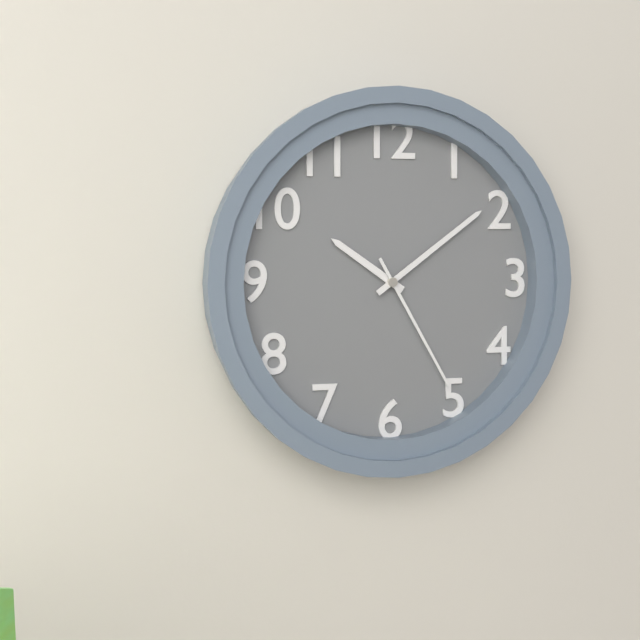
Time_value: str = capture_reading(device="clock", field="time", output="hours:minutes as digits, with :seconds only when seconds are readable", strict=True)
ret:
10:09:25
